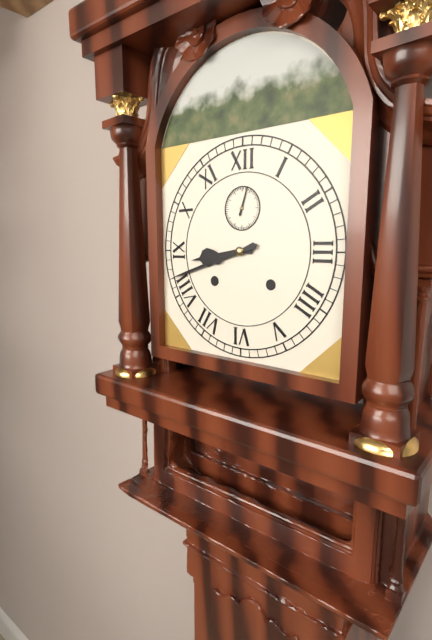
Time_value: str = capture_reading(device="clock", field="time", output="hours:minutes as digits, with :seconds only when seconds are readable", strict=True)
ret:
8:42
